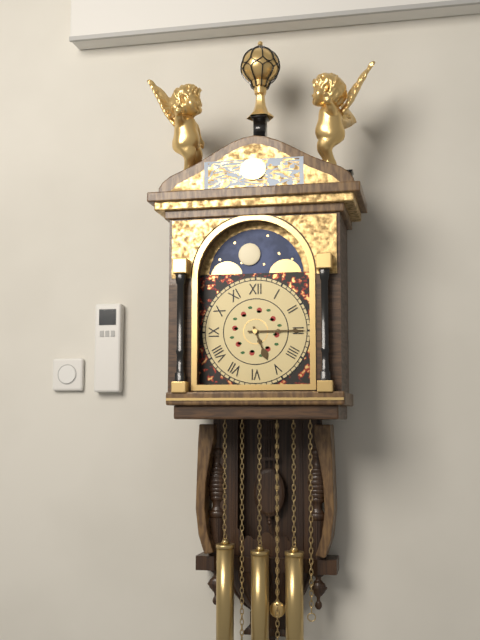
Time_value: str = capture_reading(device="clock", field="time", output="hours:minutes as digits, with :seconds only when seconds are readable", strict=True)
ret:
5:15
